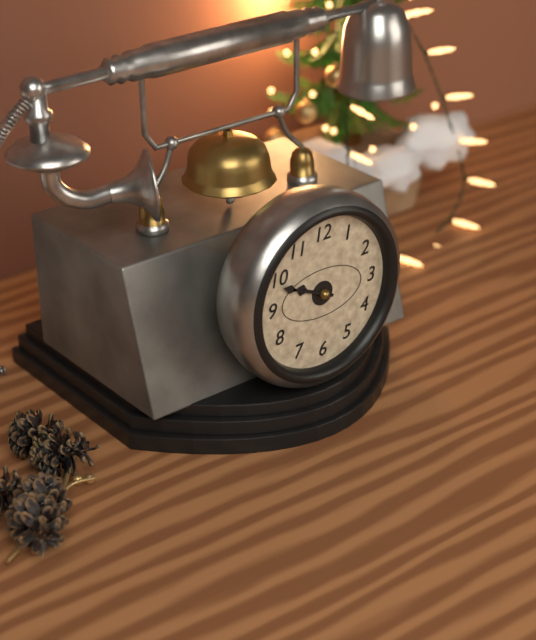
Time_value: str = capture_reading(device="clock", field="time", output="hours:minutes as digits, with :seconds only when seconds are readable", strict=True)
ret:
9:49
